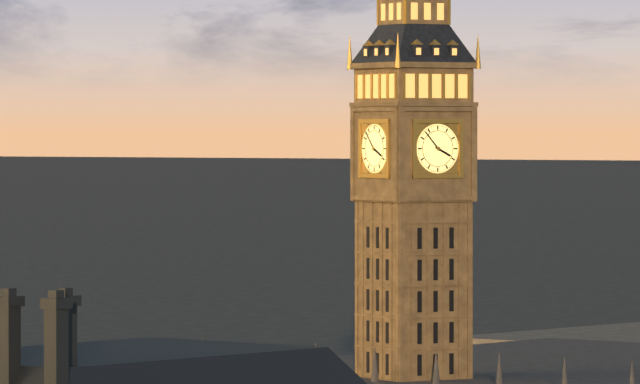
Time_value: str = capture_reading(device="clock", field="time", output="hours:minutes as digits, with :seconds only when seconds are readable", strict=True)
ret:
3:53
